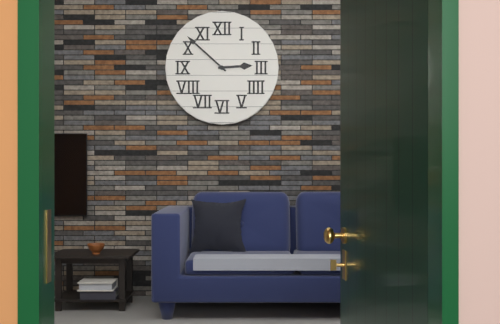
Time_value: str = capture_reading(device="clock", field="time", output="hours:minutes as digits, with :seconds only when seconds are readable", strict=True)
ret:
2:52
